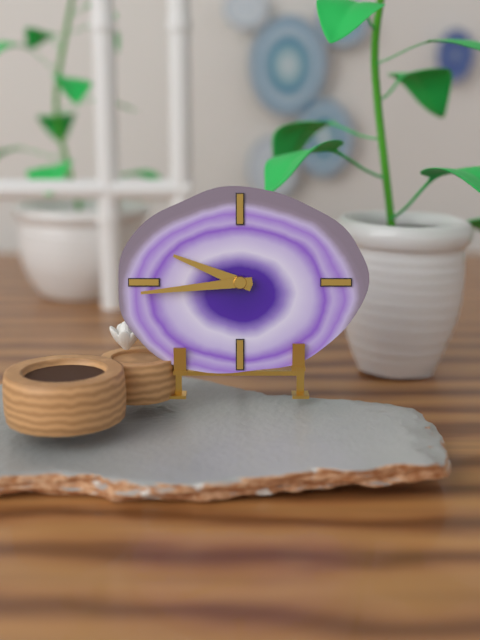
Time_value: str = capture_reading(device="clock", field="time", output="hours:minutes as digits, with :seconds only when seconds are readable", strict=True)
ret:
9:44
